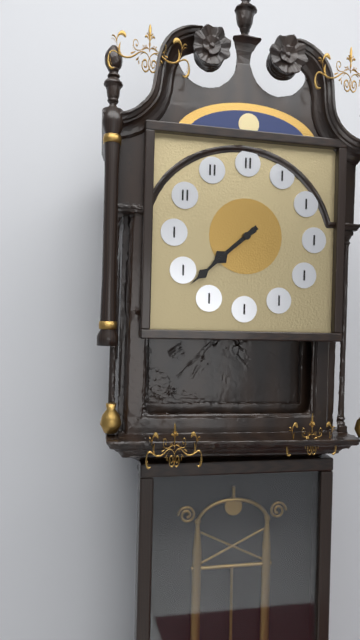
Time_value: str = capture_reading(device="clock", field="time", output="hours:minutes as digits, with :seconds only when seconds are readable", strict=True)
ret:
7:38
